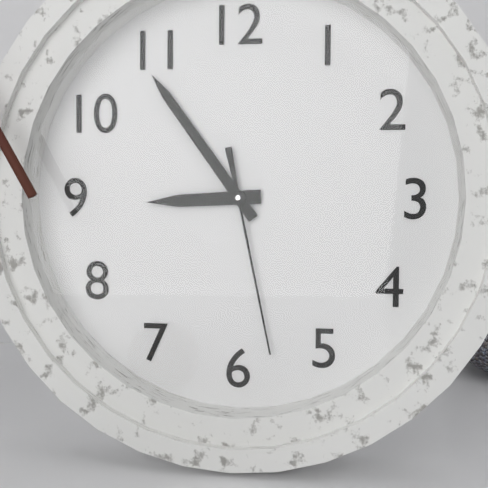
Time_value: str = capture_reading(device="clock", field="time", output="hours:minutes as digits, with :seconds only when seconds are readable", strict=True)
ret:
8:54:28
